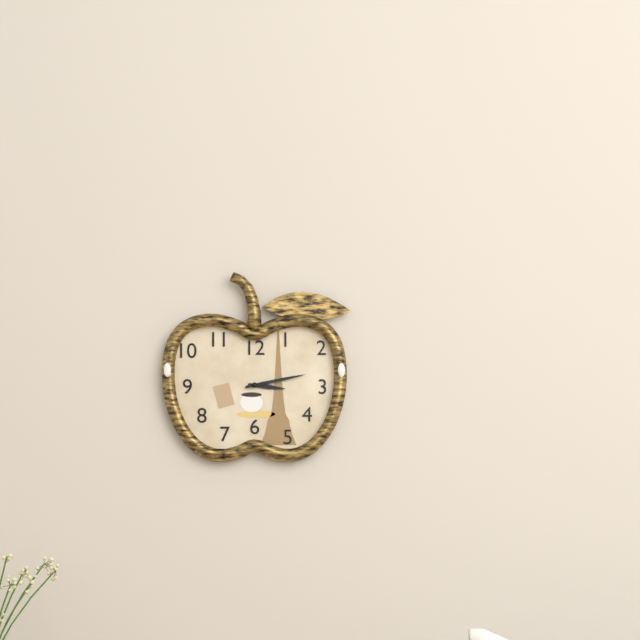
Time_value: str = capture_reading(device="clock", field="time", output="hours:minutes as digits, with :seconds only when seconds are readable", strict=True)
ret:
3:13
